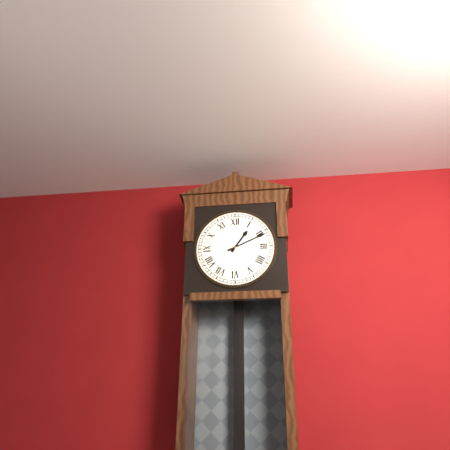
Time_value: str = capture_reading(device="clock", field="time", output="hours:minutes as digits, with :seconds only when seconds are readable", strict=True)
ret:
1:11
